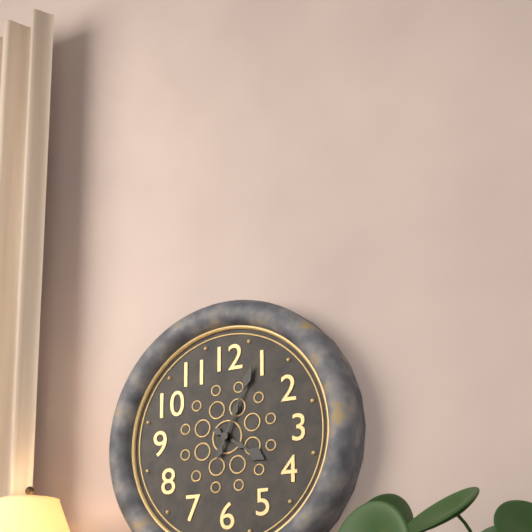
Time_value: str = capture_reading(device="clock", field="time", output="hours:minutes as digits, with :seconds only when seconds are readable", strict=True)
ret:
4:04
